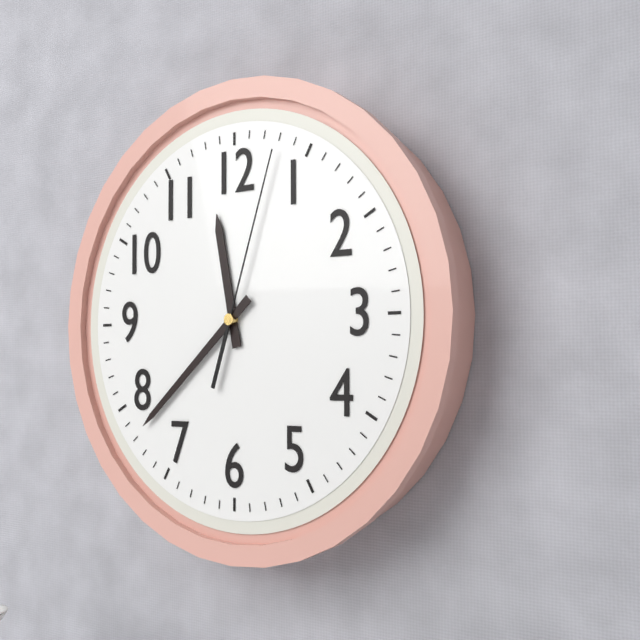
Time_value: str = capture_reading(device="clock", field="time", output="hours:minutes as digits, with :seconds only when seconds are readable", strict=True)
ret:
11:38:03
